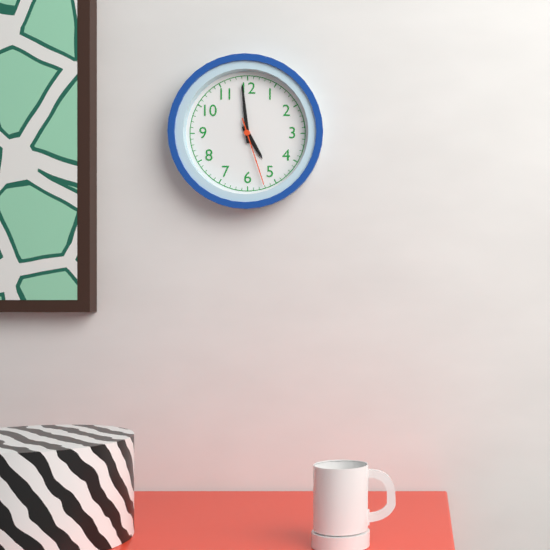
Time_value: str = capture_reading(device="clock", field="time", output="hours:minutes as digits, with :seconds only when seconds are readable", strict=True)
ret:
4:59:27
